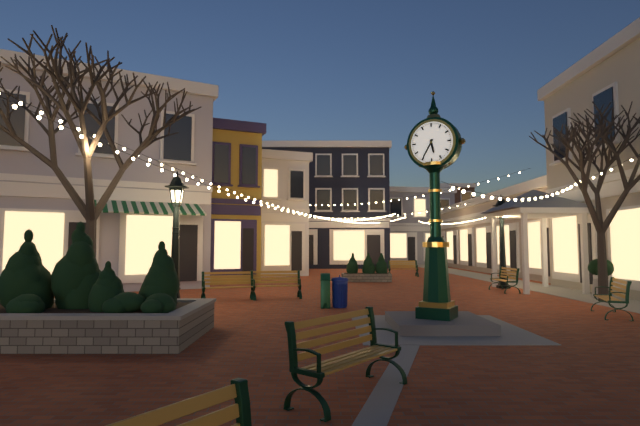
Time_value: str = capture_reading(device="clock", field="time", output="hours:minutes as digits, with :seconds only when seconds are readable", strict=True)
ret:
5:35
